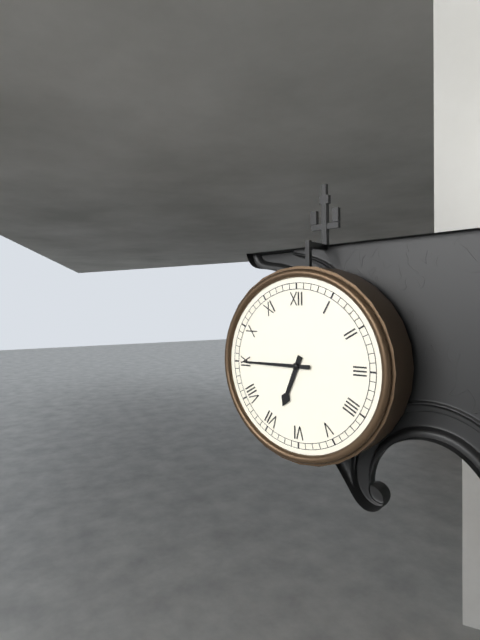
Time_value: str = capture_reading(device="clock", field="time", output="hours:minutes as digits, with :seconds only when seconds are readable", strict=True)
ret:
6:45
